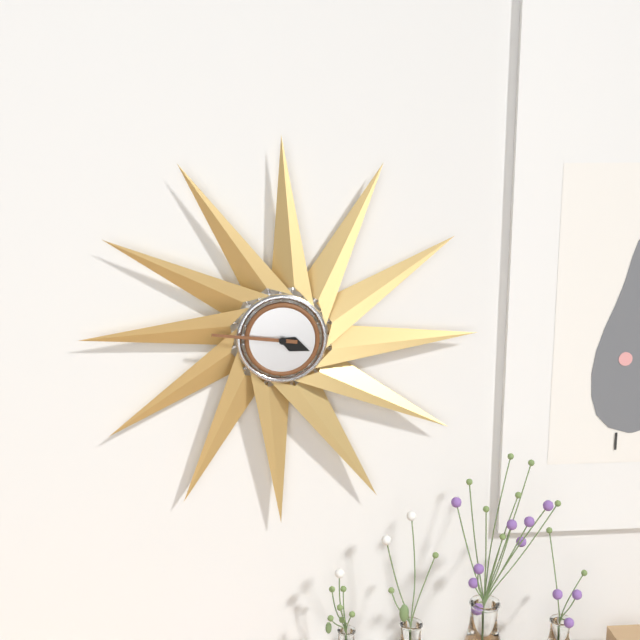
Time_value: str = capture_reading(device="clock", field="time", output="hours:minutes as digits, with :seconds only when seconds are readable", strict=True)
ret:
3:46
